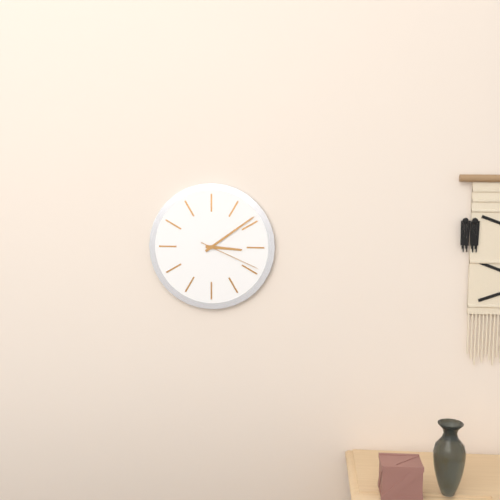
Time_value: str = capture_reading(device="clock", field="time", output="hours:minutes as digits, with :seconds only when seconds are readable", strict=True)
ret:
3:09:19
